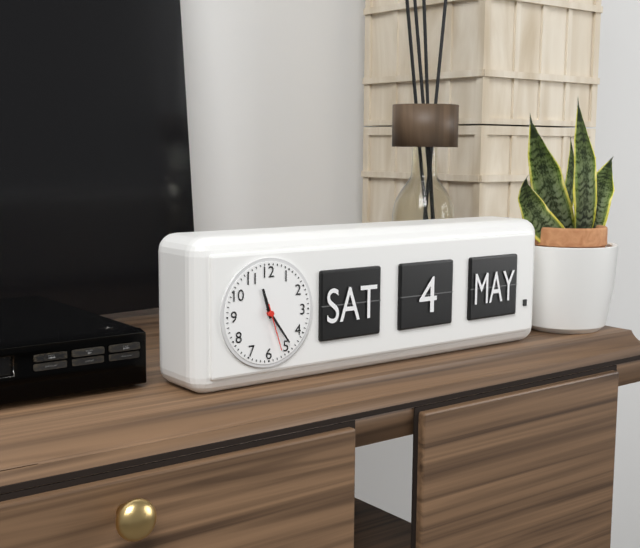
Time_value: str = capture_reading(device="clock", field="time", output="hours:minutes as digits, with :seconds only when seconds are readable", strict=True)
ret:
11:24
